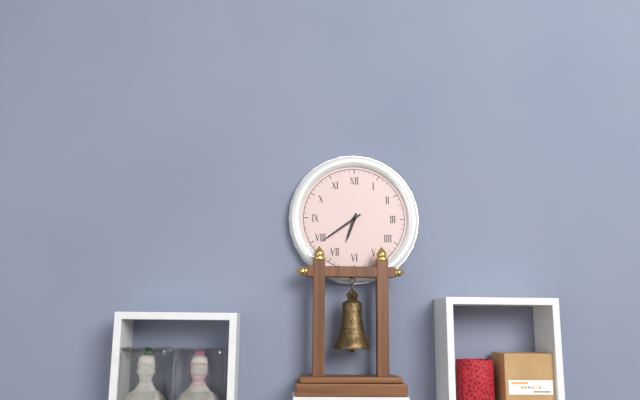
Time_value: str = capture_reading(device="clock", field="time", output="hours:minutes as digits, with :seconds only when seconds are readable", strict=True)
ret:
6:39
